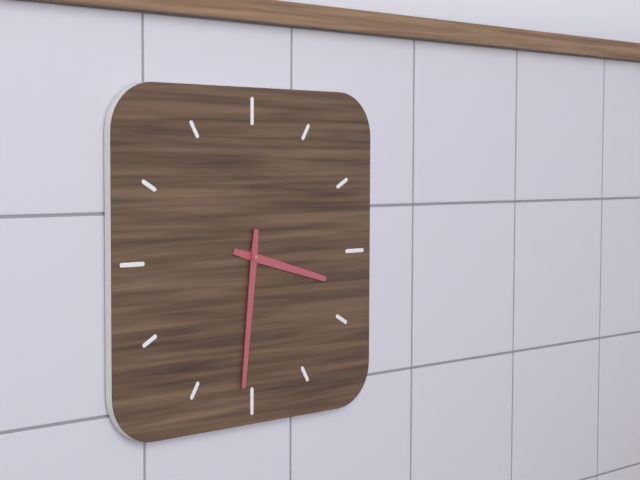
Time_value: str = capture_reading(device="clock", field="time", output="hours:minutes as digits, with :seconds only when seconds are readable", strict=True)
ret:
3:31
